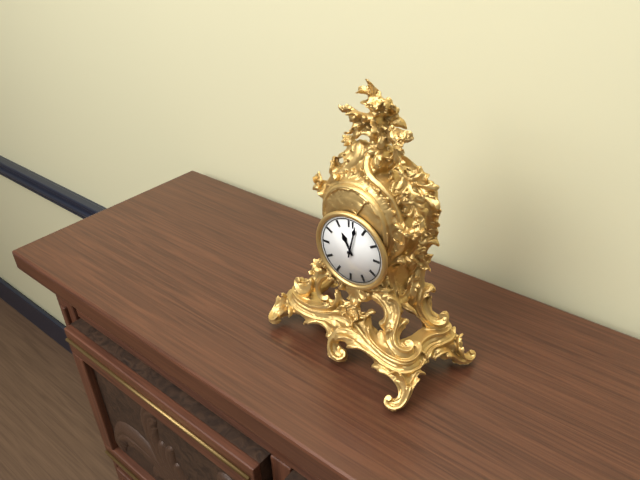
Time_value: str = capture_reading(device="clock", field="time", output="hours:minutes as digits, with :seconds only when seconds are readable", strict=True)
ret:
11:02
